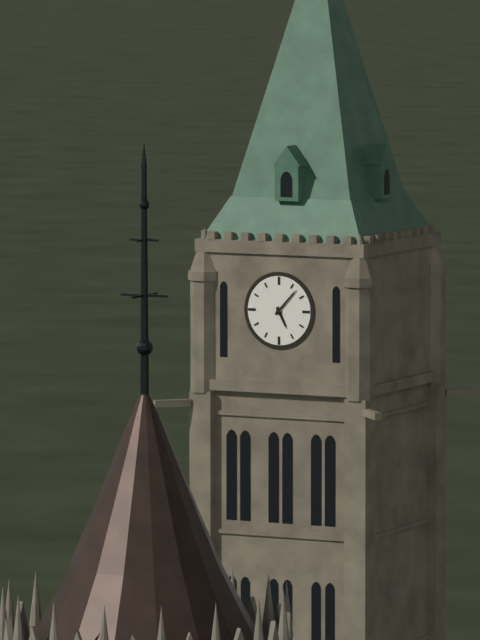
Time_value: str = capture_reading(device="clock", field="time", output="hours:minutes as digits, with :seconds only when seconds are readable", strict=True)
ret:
5:07
